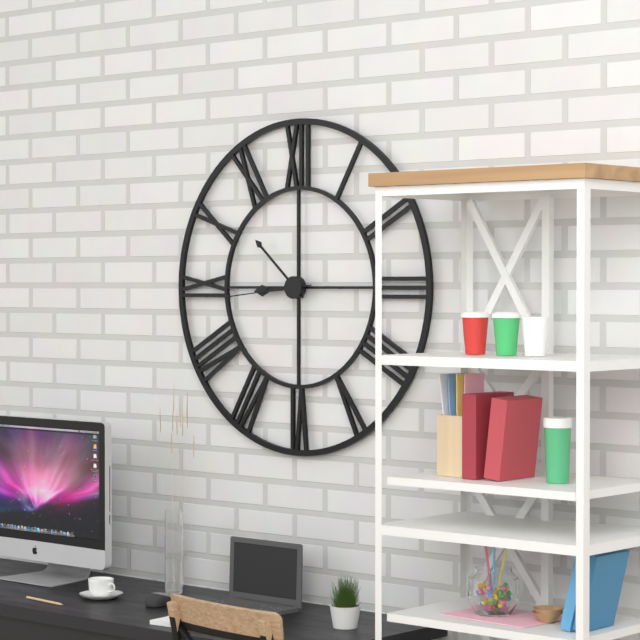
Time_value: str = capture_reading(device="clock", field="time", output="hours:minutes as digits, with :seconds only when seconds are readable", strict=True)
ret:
8:52:44
